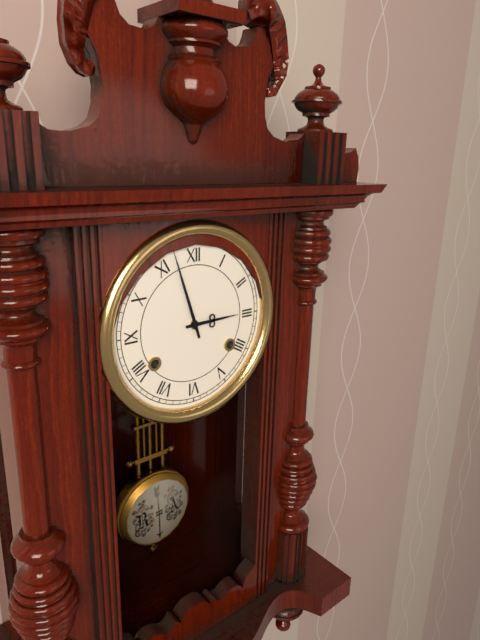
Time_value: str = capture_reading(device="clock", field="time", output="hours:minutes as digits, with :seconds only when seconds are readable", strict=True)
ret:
2:57
